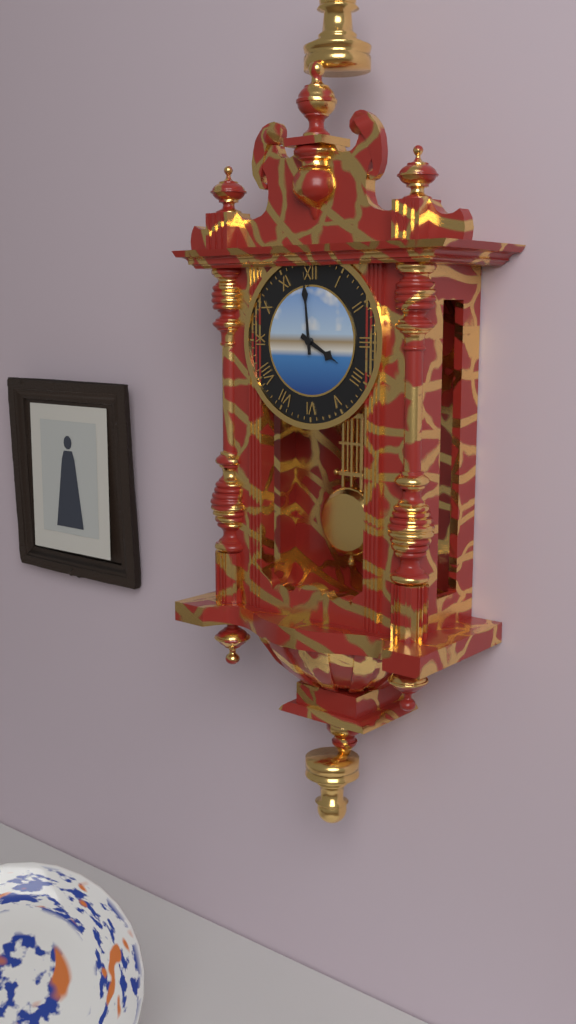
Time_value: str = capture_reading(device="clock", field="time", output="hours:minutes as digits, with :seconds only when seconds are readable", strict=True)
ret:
3:59
